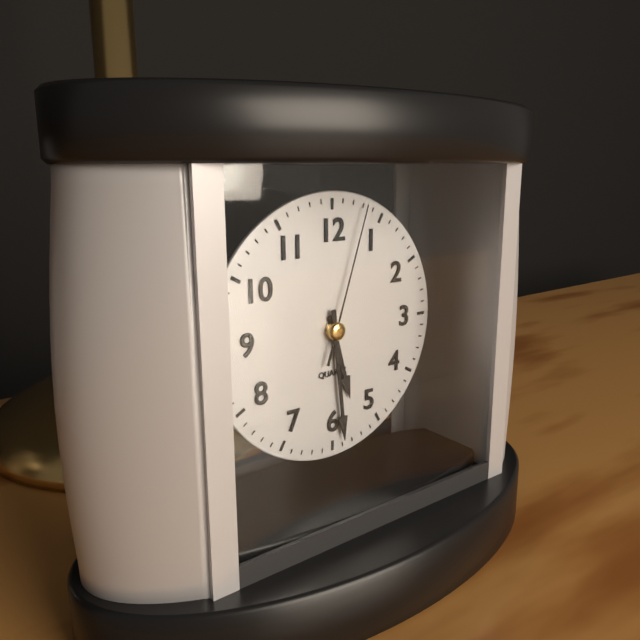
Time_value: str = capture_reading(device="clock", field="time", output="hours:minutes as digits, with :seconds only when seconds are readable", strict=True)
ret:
5:29:03
